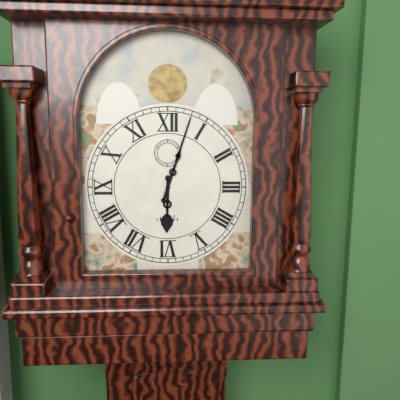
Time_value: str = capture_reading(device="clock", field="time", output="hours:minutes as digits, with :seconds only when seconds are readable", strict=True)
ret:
6:03
